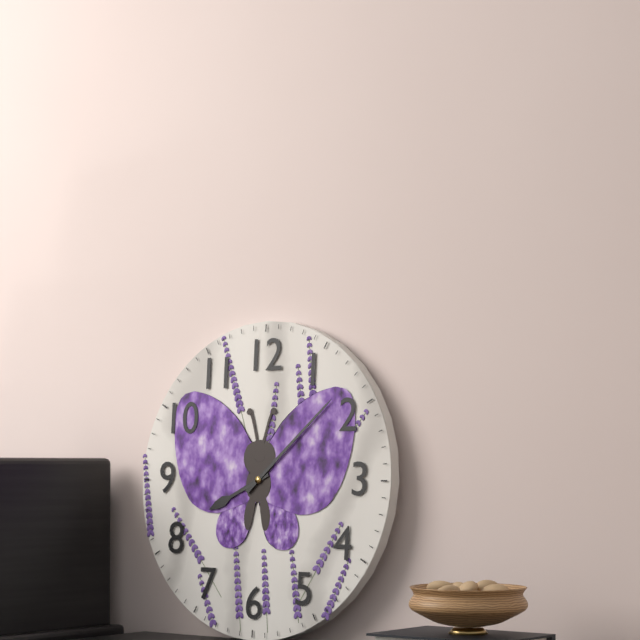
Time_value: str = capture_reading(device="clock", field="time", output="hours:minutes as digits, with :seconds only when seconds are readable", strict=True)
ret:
8:08
